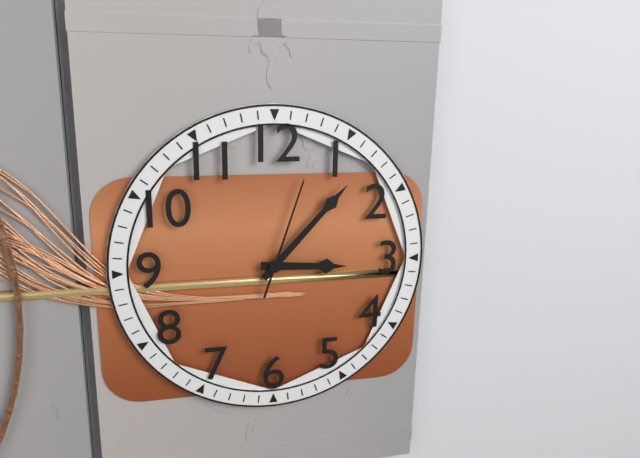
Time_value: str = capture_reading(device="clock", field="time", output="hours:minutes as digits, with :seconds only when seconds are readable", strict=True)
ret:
3:07:03
